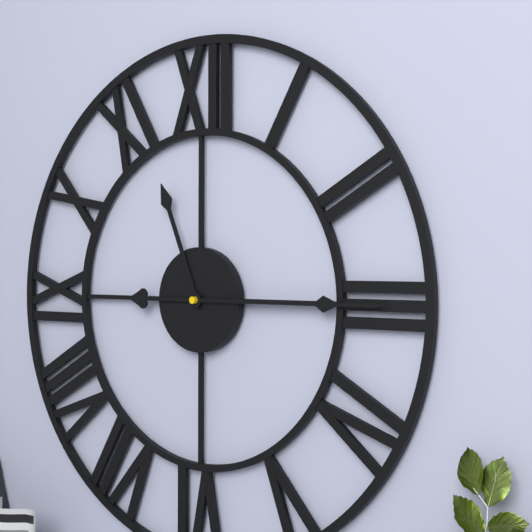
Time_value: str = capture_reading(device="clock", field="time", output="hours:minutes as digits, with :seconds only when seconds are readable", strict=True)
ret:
11:15
